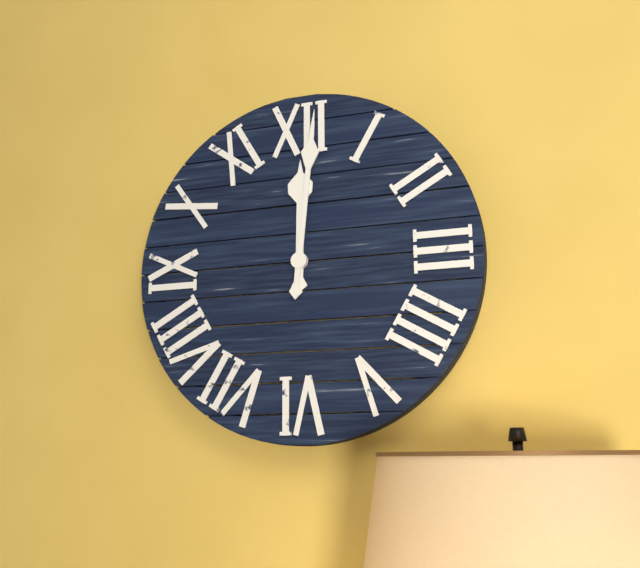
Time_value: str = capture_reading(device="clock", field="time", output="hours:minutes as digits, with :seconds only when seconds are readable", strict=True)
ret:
12:01
